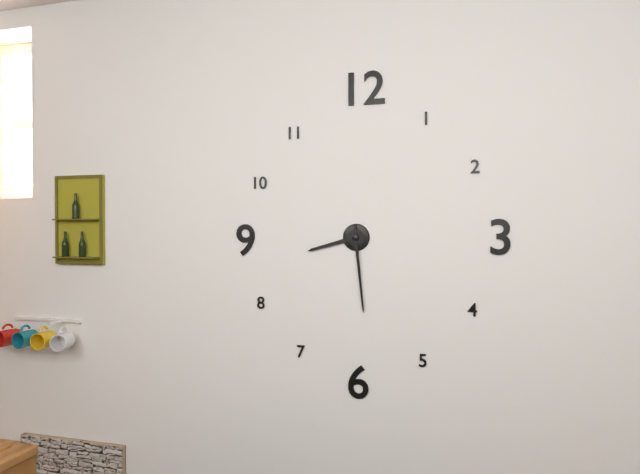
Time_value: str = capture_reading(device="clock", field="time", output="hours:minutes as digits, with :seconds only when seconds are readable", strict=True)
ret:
8:29
